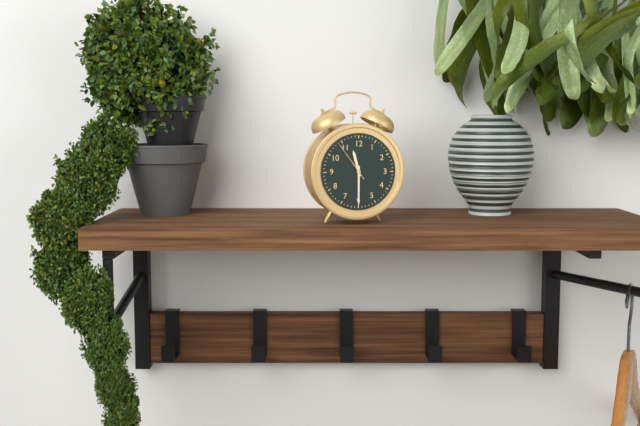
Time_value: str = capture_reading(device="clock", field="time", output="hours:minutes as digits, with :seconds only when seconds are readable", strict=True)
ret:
11:30
